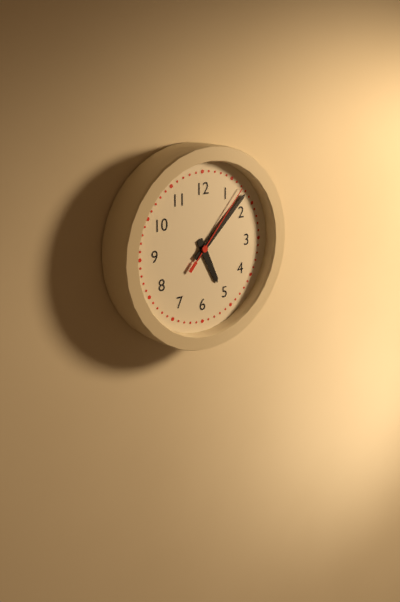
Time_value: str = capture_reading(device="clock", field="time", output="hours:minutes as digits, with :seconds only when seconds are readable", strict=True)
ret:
5:08:07
